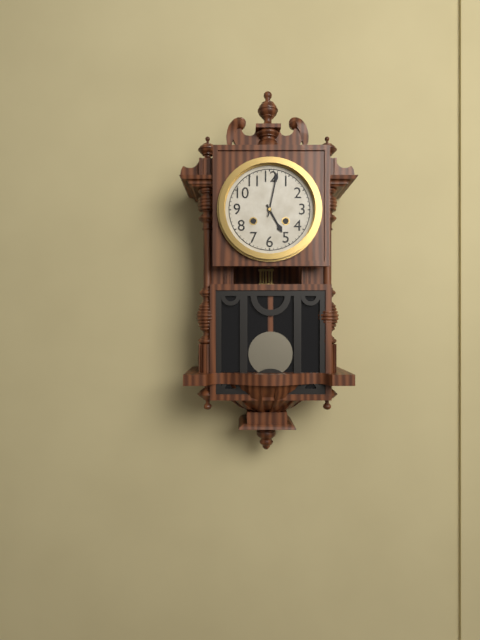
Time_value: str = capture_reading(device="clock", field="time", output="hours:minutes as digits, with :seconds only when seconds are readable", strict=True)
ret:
5:02
